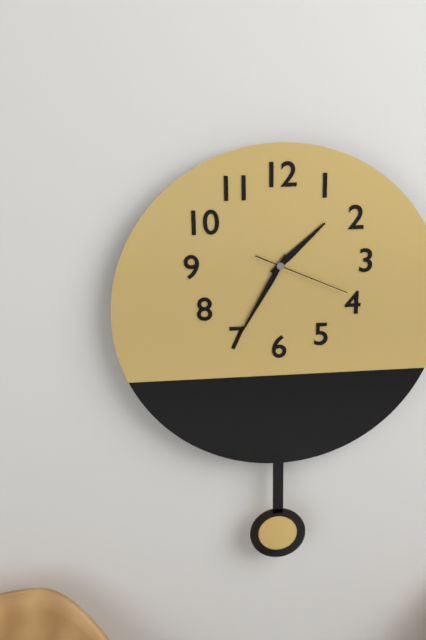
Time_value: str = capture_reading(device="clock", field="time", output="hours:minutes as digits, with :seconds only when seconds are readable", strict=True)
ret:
1:35:19
